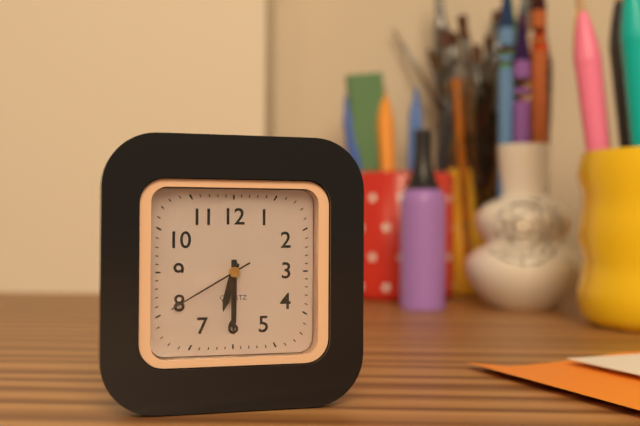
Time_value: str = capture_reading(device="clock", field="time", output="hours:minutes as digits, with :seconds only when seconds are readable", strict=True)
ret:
6:30:40
